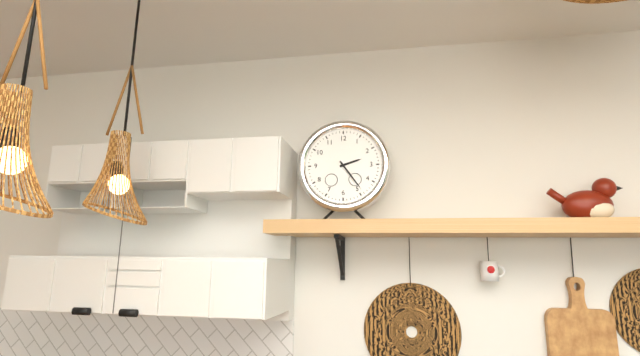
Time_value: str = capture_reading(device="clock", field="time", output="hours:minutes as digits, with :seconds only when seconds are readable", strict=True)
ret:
2:24
